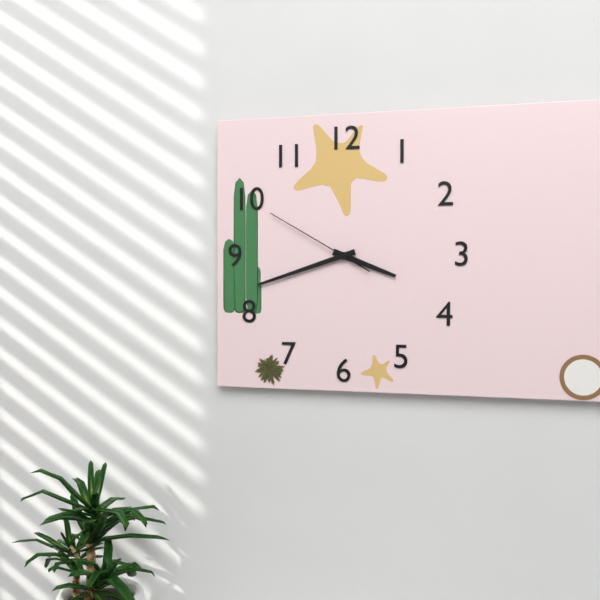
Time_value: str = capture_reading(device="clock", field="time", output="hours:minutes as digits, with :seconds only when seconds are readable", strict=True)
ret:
3:42:50
